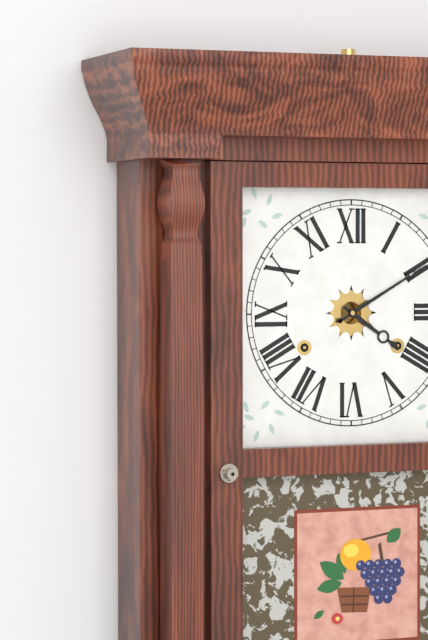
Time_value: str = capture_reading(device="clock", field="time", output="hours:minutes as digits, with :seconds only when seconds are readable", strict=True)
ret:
4:10
